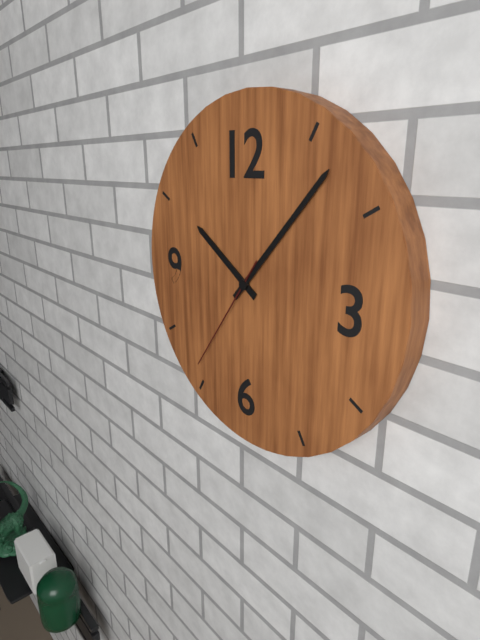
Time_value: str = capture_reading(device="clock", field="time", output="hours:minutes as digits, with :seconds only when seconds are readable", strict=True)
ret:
10:07:36
